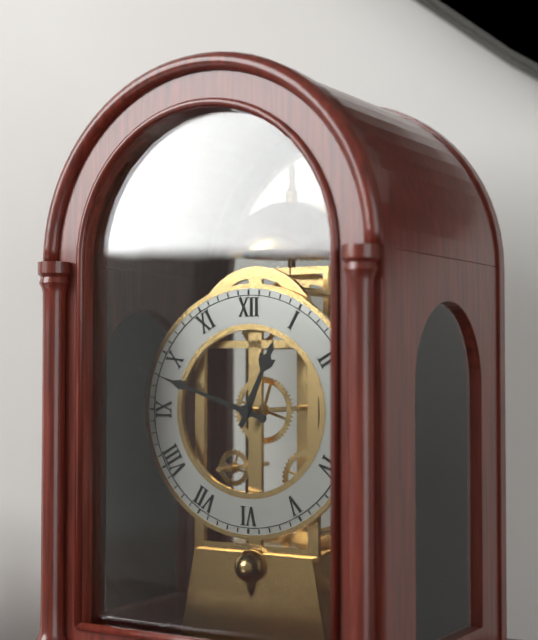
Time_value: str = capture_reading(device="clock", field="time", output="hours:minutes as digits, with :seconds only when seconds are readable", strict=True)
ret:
12:48
